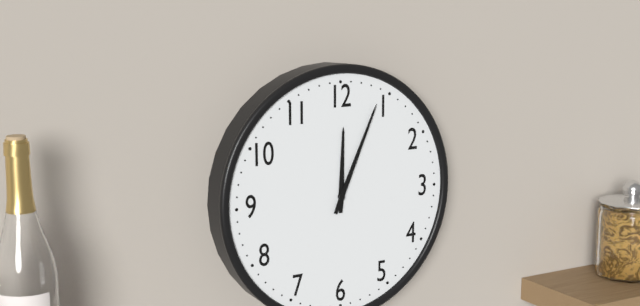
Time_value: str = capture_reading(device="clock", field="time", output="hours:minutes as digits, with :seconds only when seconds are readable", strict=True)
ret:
12:04
